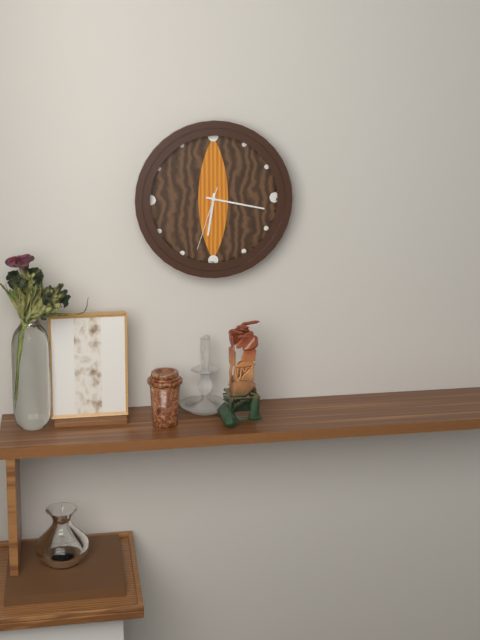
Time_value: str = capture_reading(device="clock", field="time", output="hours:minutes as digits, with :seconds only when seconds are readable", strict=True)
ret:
6:17:33
